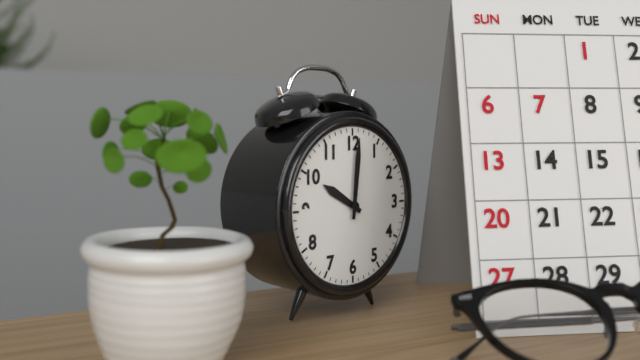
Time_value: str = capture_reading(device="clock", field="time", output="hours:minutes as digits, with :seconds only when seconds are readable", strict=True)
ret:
10:01
